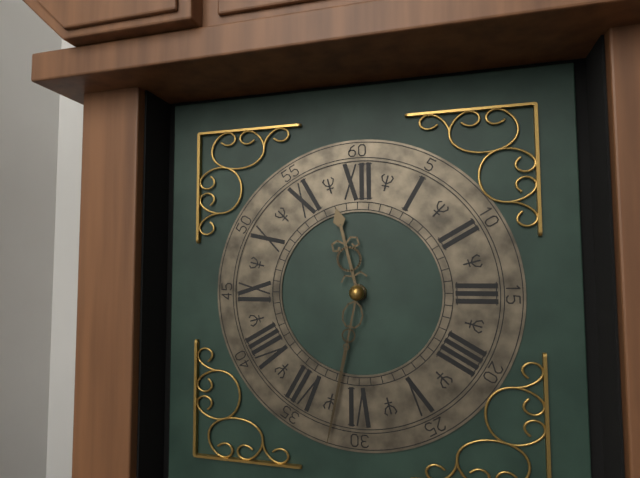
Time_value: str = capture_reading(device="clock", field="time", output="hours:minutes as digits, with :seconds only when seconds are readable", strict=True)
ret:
11:32
